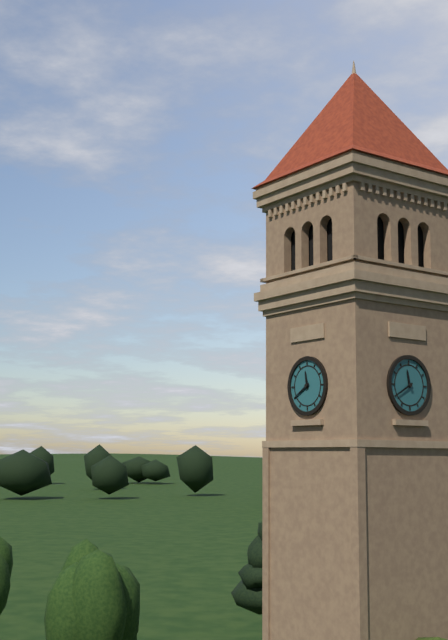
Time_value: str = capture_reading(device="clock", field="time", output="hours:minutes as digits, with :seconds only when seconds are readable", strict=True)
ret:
11:40
